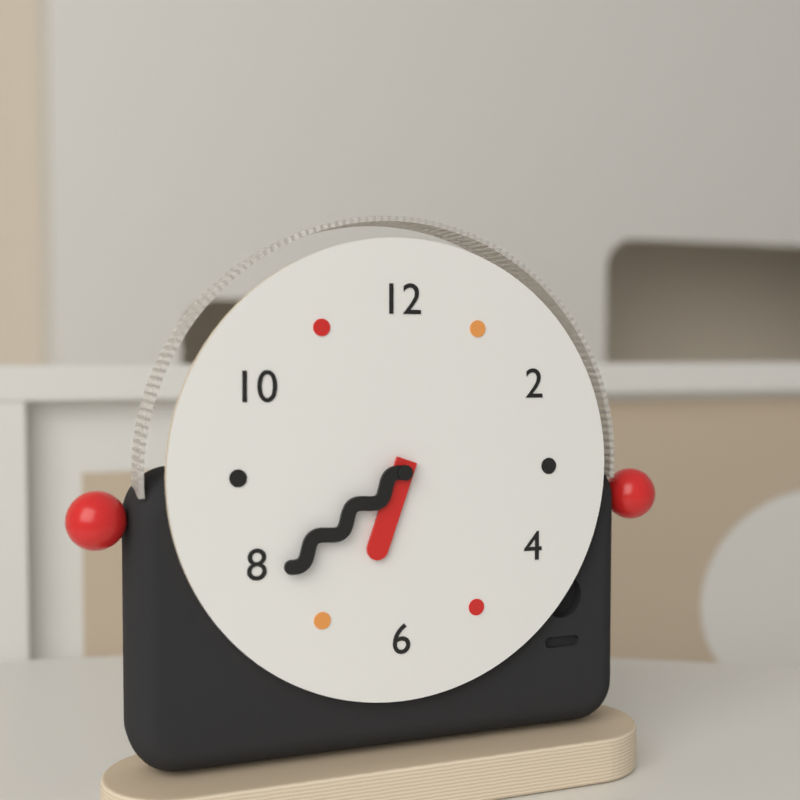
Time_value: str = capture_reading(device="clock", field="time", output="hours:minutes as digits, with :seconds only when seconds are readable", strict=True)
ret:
6:39
